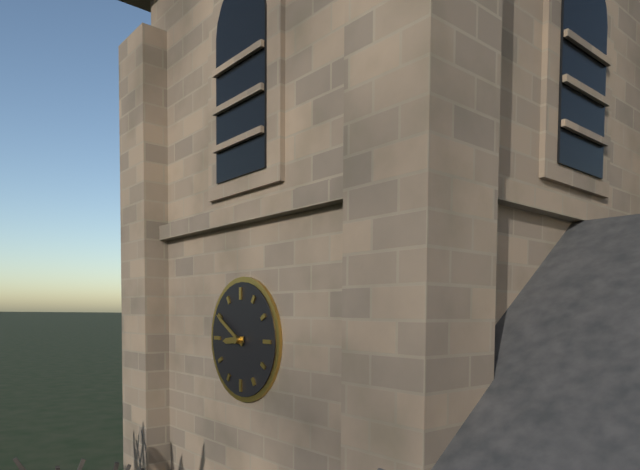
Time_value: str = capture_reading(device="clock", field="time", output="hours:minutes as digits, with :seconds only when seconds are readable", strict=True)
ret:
8:50
